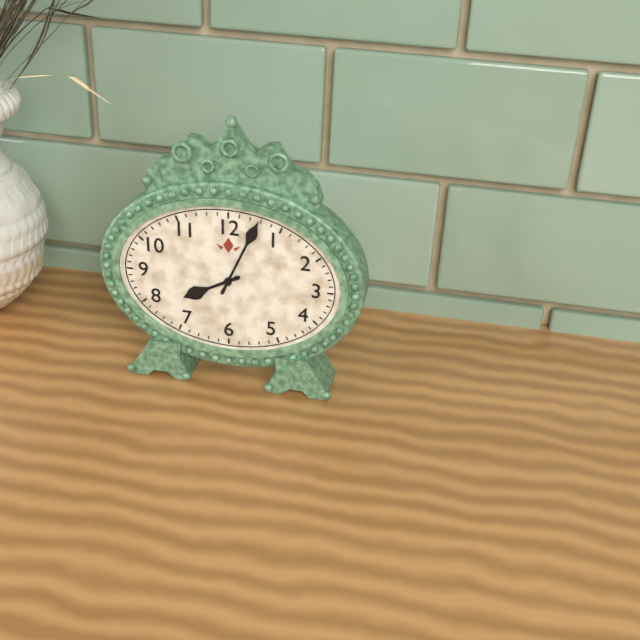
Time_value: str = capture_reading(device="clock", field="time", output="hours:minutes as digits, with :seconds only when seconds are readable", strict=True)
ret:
8:04
